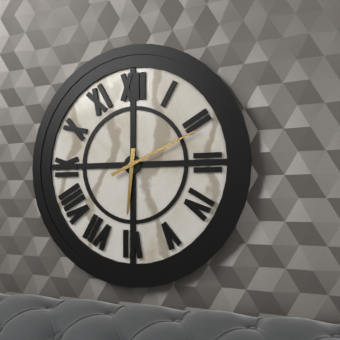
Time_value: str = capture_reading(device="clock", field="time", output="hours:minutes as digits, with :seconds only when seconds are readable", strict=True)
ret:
6:11
